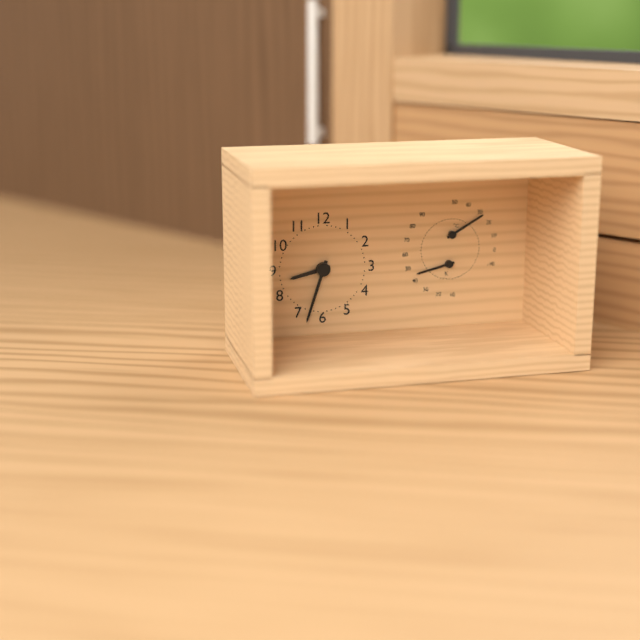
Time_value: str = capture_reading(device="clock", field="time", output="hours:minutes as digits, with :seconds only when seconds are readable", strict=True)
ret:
8:33
